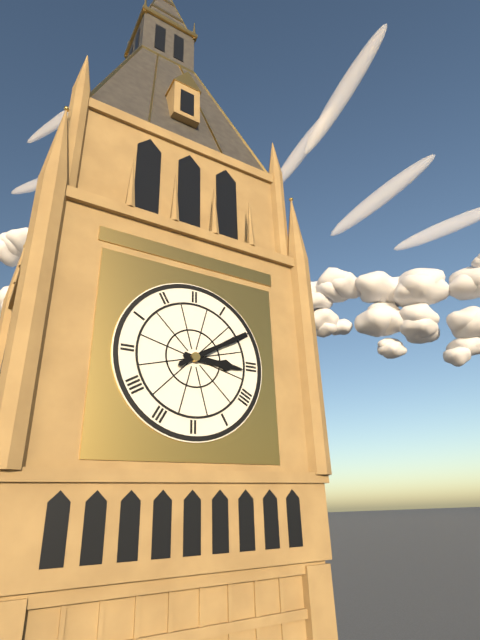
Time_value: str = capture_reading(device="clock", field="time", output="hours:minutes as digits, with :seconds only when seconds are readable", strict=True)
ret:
3:10
